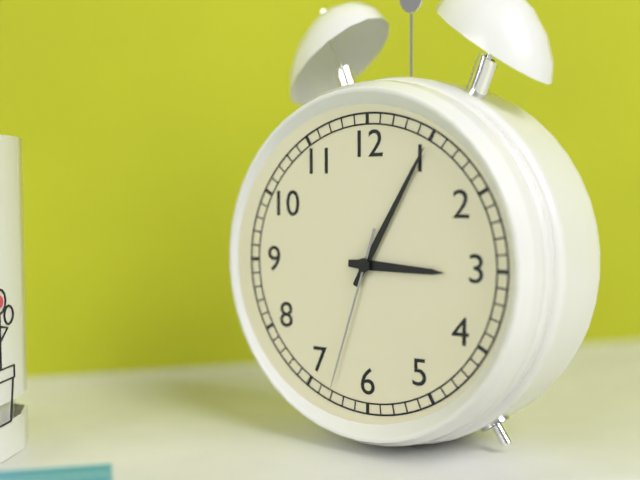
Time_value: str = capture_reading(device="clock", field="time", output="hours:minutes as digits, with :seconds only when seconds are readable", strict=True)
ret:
3:05:33
